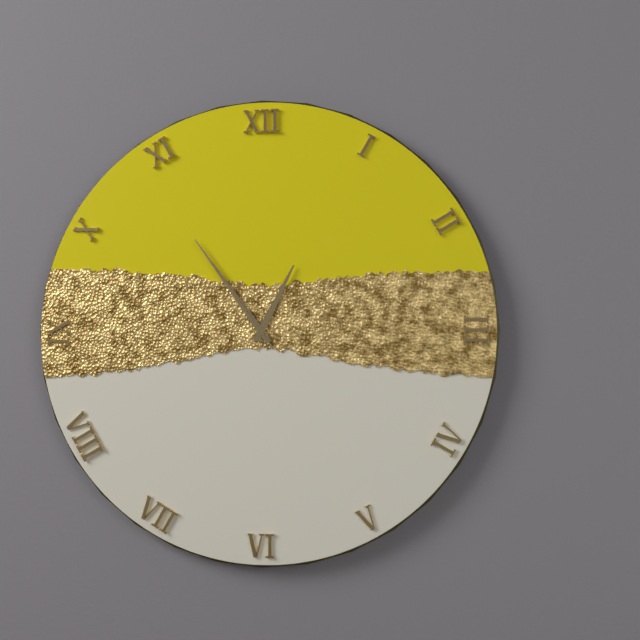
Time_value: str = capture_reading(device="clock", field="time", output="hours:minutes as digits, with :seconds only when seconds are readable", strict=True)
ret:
12:54:54
